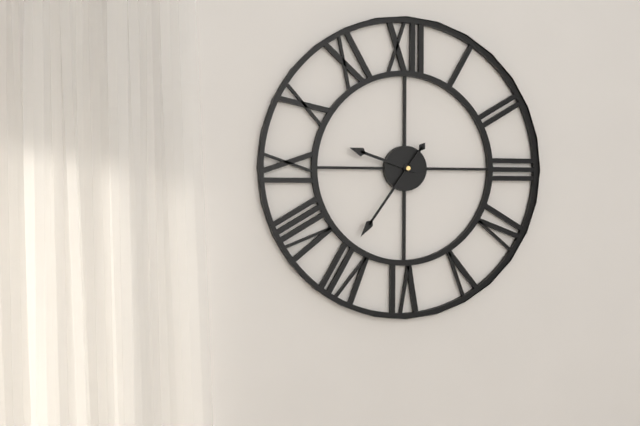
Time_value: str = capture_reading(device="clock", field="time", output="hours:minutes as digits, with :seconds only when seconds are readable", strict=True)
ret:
9:36
